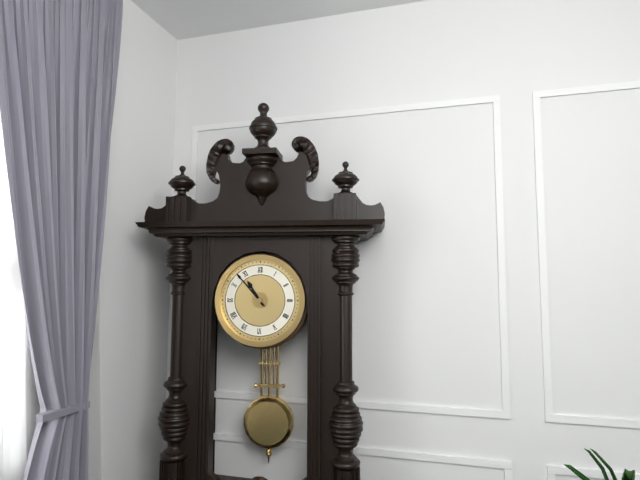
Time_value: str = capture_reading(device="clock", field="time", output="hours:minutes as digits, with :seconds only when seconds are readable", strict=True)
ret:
10:53
